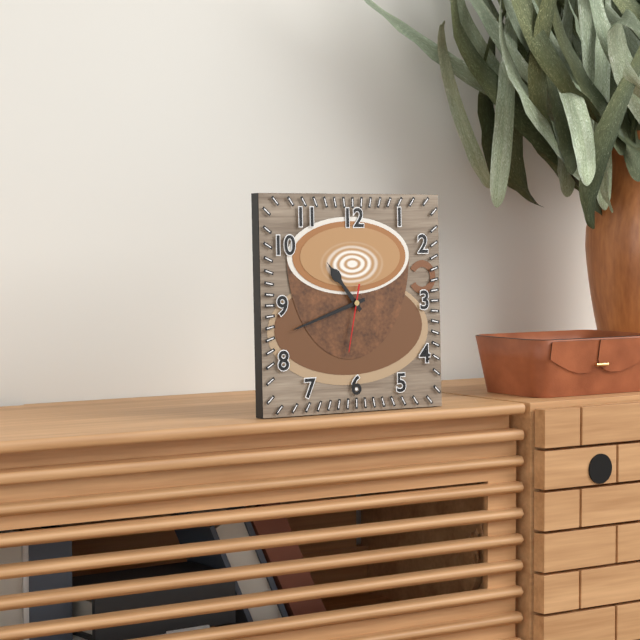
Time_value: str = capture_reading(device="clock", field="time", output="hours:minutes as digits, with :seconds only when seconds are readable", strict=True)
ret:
10:42:32
